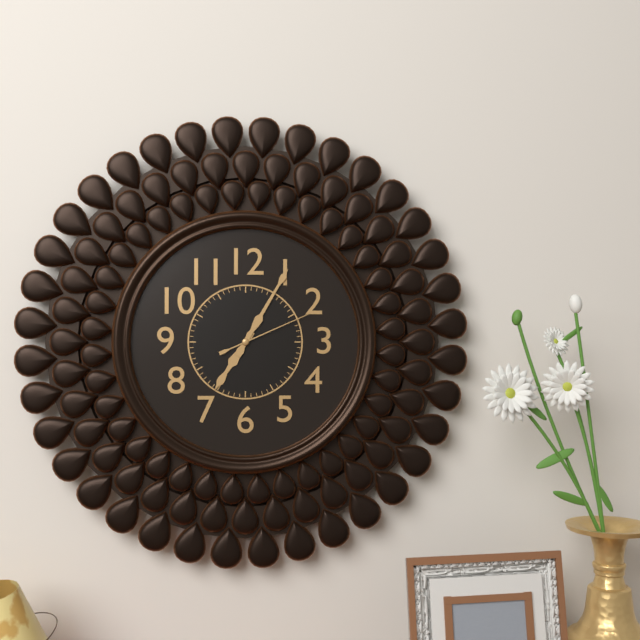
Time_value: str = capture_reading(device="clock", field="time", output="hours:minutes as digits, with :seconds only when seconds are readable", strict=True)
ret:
7:05:11
